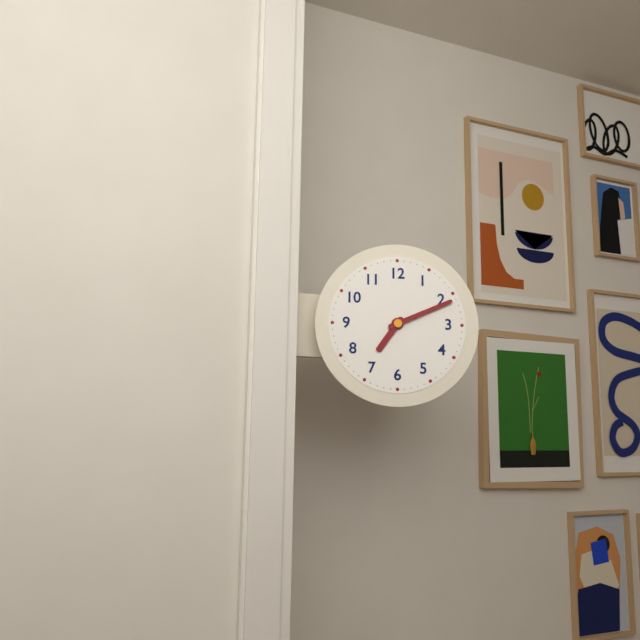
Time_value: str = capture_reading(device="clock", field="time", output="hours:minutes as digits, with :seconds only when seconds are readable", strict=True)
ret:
7:11
